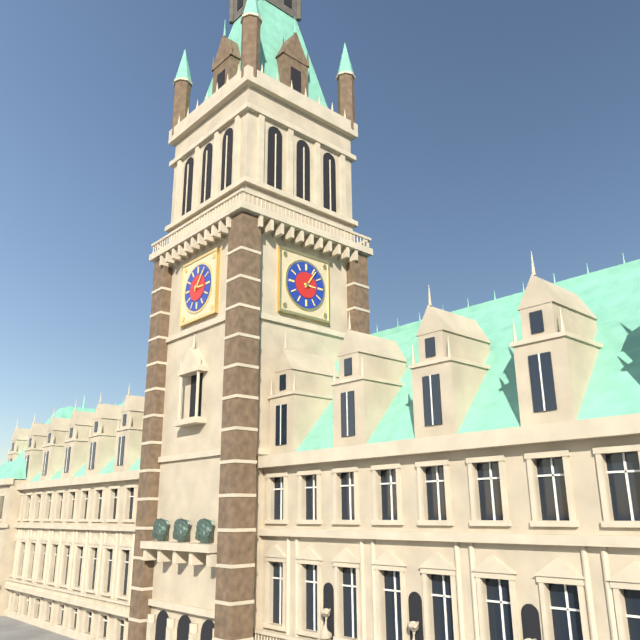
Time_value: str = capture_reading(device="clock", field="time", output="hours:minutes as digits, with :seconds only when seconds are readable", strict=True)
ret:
3:06
